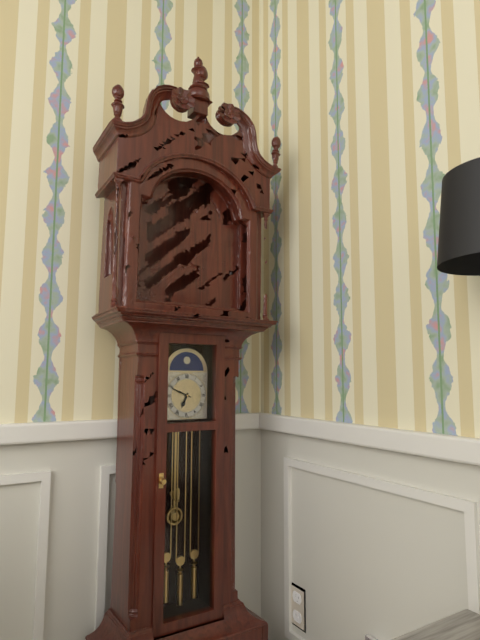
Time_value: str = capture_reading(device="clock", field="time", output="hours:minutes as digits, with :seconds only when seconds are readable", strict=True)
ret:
6:49
